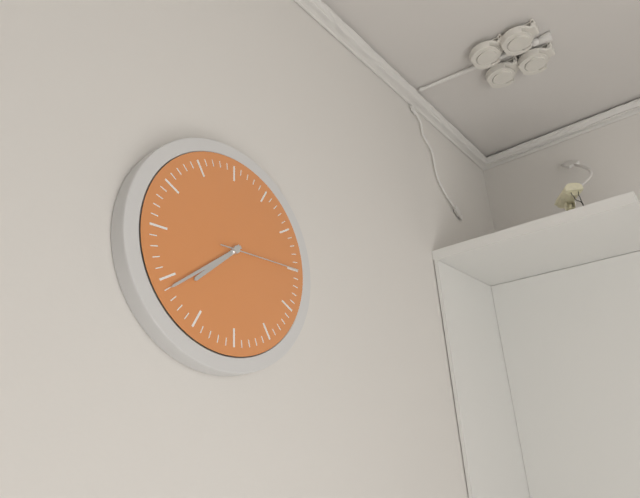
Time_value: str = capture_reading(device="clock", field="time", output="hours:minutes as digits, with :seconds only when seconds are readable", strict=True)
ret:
7:39:15
